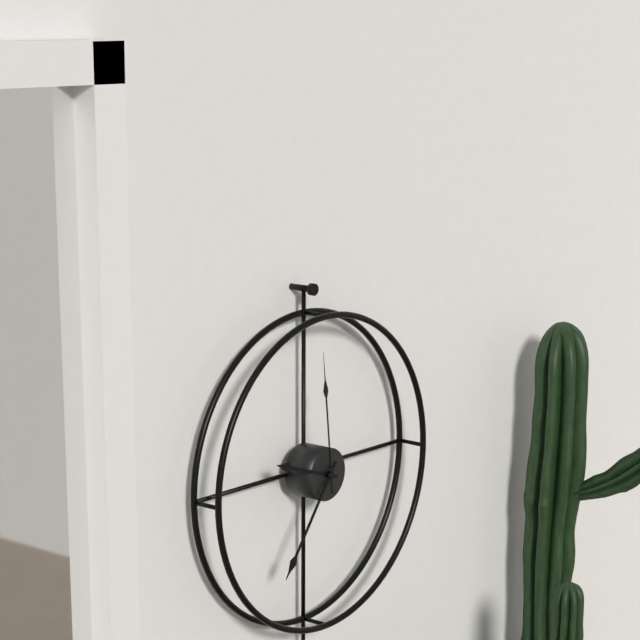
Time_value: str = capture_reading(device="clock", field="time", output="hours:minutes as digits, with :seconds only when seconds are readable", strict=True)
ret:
9:36:59
